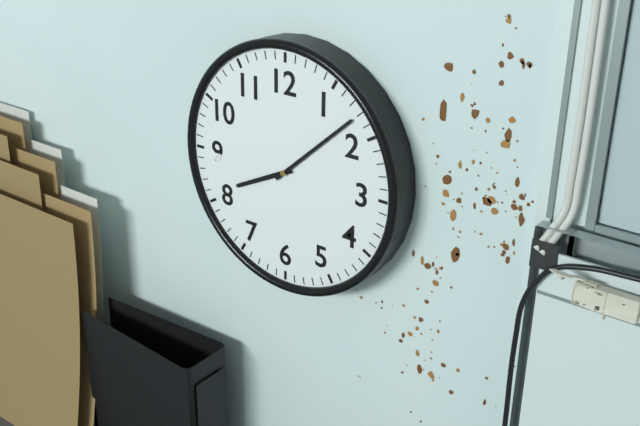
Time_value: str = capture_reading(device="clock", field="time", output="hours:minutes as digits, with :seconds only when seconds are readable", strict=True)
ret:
8:08
